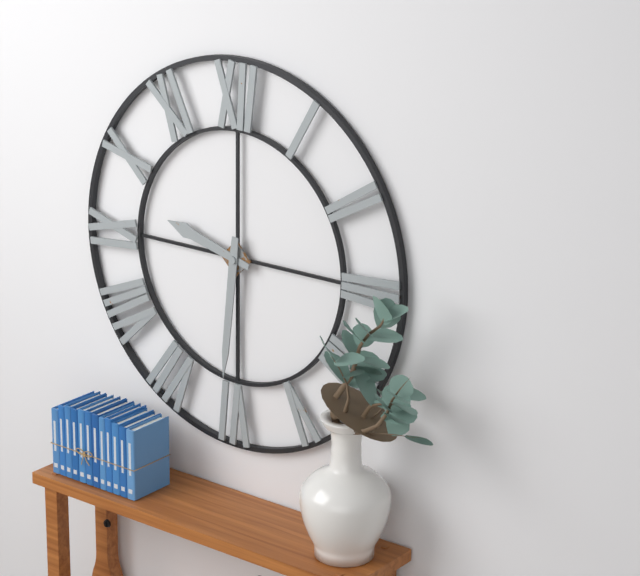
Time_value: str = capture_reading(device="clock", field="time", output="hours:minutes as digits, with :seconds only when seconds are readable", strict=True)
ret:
9:31
